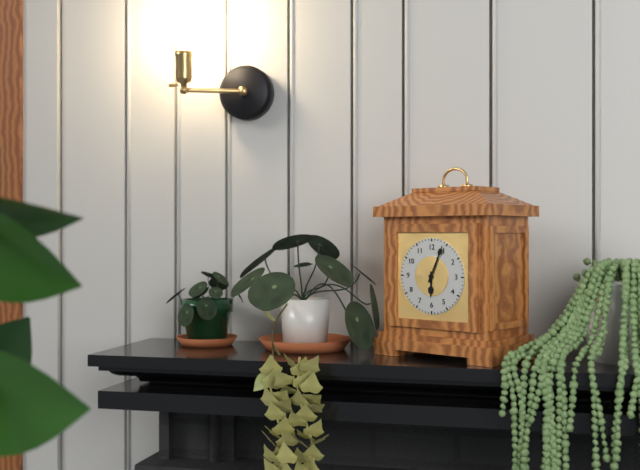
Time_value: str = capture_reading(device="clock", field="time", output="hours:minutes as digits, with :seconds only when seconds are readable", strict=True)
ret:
6:04
